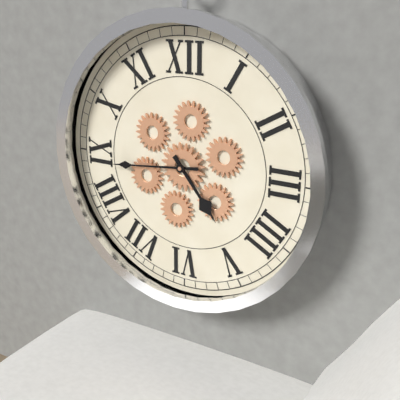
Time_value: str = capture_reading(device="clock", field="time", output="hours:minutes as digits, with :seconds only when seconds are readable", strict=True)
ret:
4:44
